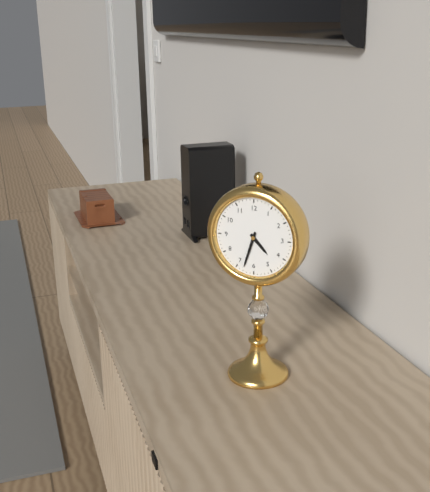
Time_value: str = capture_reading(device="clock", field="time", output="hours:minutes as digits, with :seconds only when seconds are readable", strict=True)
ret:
4:33
